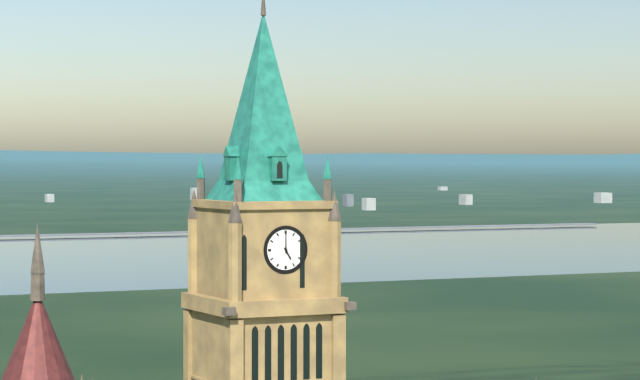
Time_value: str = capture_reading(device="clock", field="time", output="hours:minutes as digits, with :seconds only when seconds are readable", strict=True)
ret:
5:00
